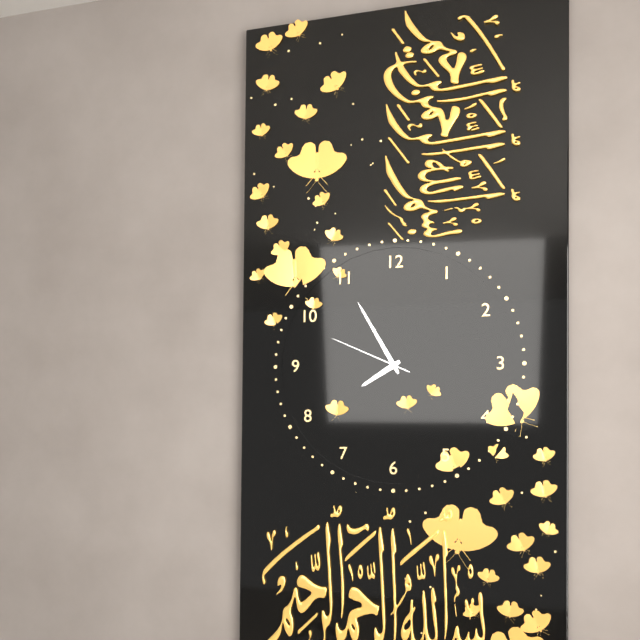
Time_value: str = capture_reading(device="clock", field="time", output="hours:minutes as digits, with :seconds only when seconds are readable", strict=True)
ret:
7:55:49
